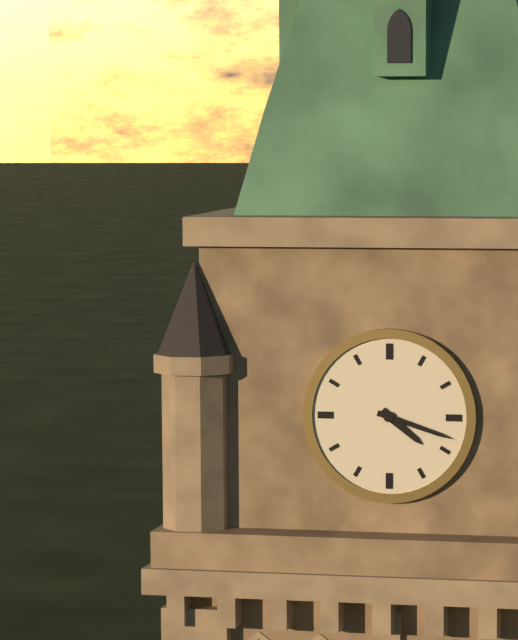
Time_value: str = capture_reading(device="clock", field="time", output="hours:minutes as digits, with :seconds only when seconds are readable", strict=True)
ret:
4:18
